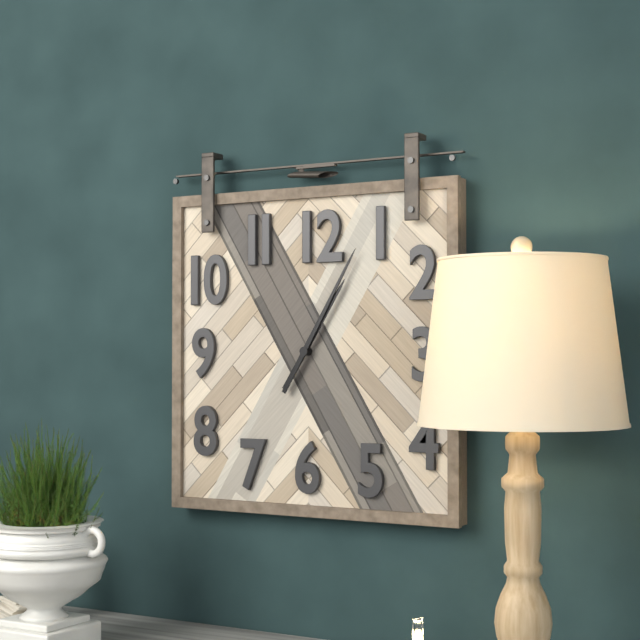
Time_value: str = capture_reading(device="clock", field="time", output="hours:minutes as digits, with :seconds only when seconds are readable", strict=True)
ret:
1:05
